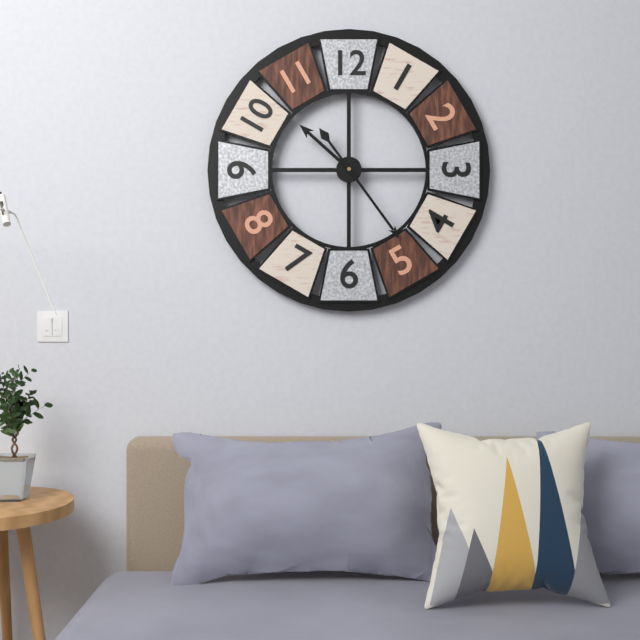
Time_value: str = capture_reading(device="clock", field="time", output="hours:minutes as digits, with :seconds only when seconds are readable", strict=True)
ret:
10:24
